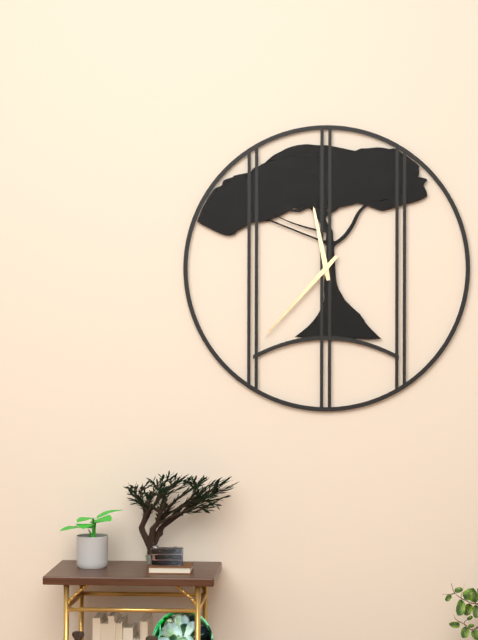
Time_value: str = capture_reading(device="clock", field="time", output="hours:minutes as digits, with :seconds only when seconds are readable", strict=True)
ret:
11:37
